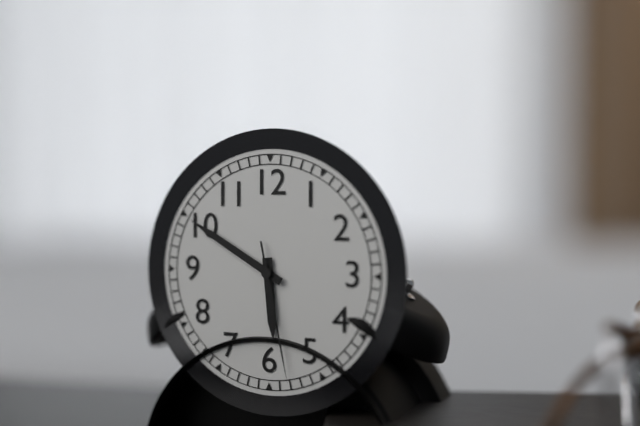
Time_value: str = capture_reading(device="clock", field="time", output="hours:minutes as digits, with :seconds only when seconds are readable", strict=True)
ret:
5:50:28
